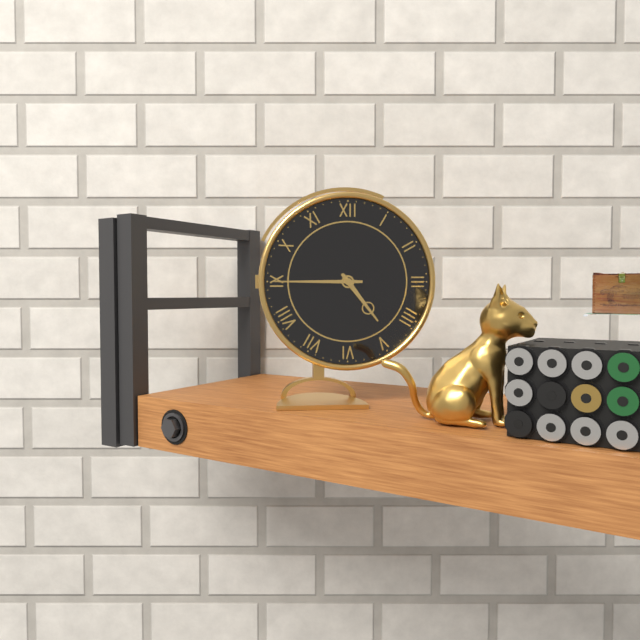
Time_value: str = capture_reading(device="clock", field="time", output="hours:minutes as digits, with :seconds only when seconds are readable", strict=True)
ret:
4:45
